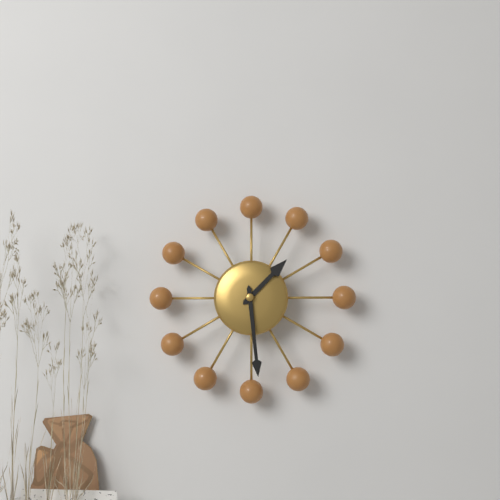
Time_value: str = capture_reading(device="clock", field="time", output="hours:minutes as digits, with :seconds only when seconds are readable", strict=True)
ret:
1:29
